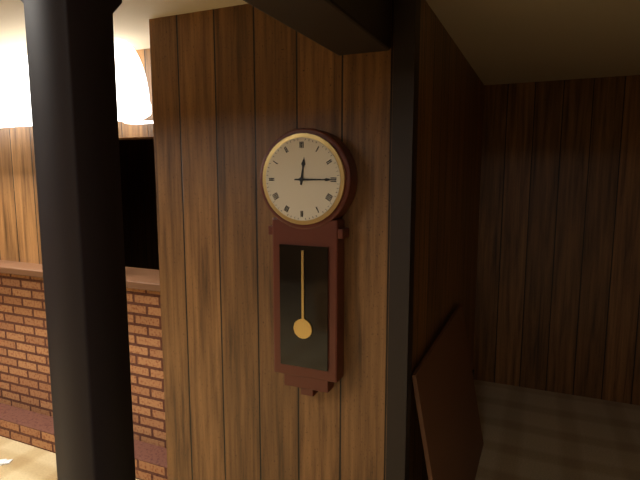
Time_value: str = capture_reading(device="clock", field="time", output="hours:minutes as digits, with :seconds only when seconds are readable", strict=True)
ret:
12:15
